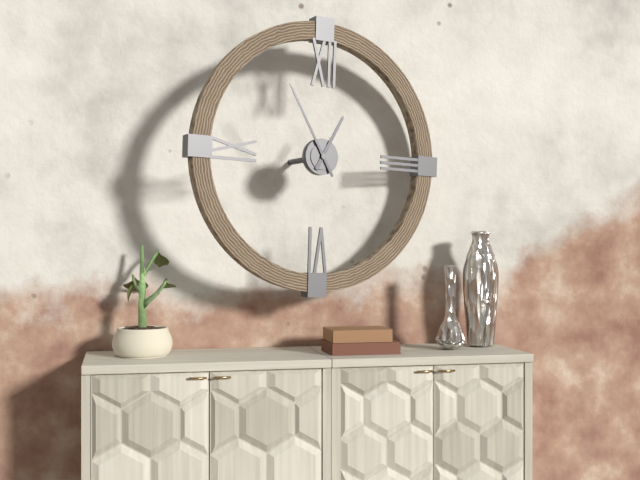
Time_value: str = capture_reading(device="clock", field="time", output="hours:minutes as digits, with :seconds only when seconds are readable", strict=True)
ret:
12:55
